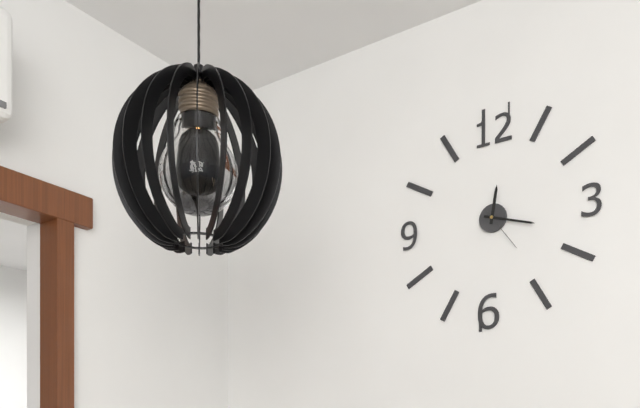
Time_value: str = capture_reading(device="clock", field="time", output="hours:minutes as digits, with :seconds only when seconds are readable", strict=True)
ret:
12:18
